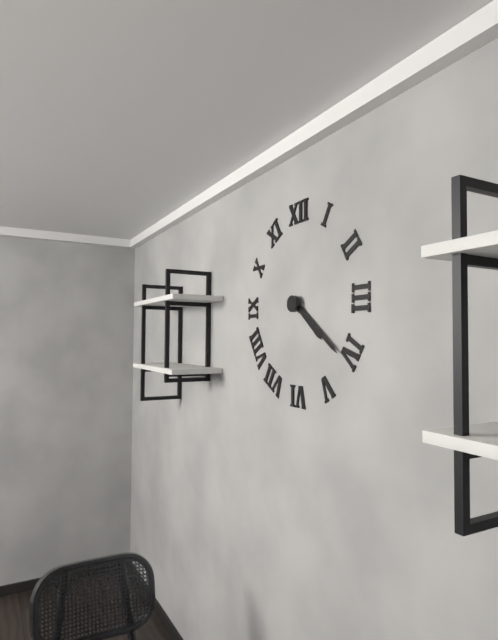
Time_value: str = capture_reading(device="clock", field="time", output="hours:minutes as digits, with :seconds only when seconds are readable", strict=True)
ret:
4:21
